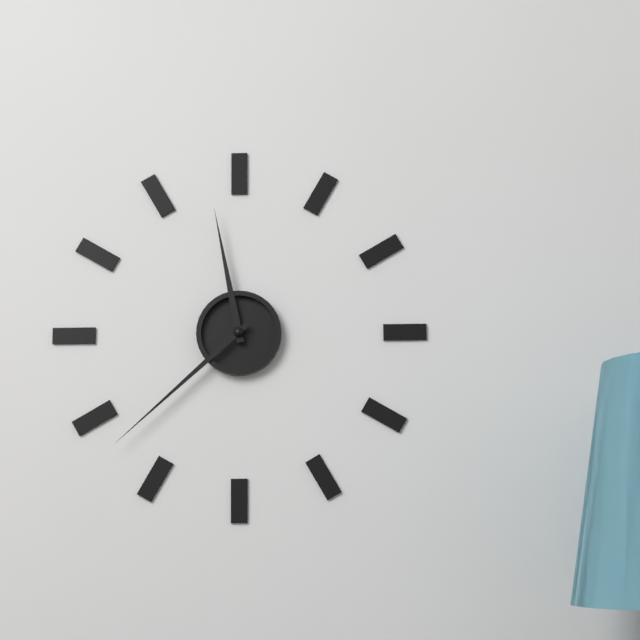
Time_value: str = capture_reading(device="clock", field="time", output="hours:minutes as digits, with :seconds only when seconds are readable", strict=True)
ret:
11:38
